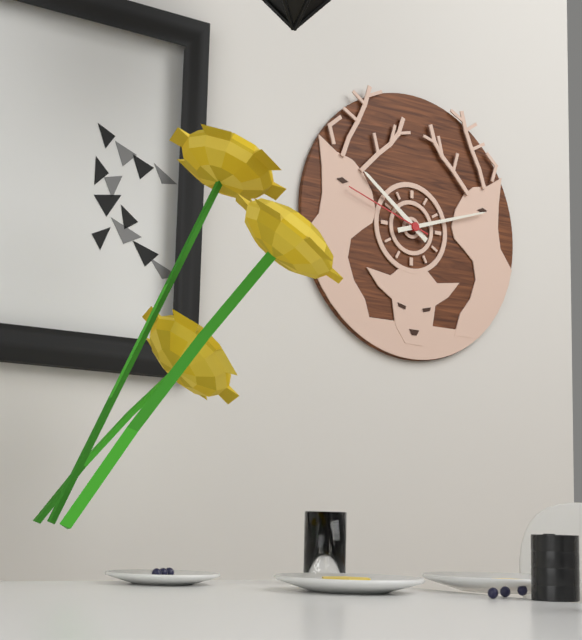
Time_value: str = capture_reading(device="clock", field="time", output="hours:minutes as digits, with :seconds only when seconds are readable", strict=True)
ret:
10:12:48
